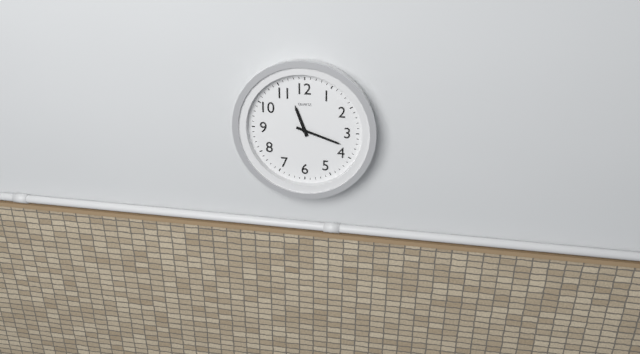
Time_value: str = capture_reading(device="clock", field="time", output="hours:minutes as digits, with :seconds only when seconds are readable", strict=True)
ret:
11:18
